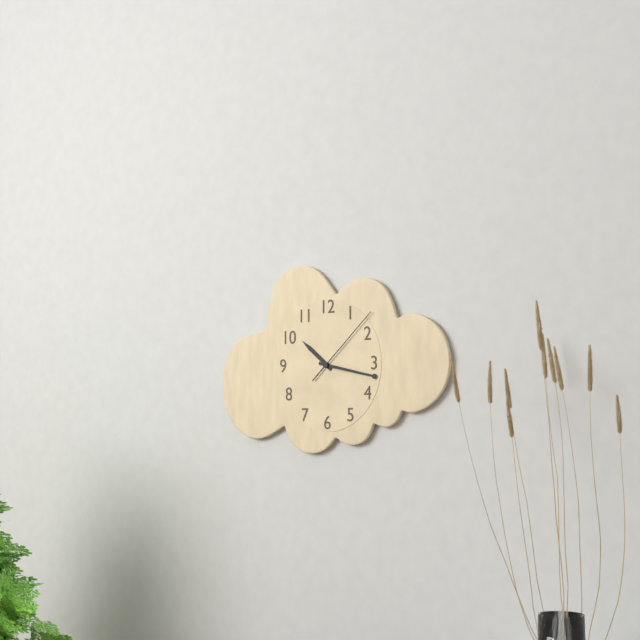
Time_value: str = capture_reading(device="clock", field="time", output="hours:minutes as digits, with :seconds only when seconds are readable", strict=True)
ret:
10:17:08
